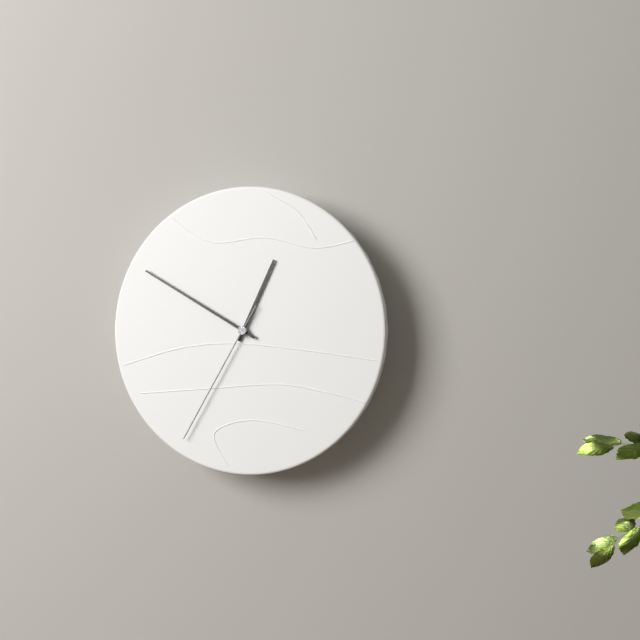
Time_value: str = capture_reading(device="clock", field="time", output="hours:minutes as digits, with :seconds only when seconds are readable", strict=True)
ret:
12:50:35
